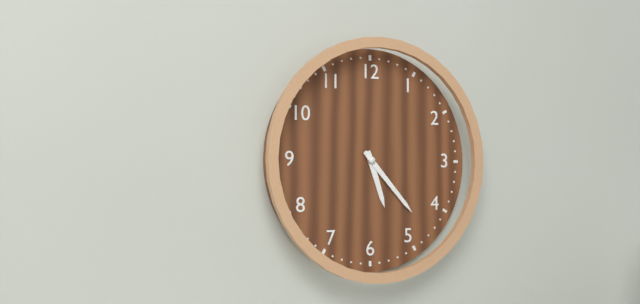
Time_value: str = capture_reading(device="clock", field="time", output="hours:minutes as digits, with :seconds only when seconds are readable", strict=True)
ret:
5:23
